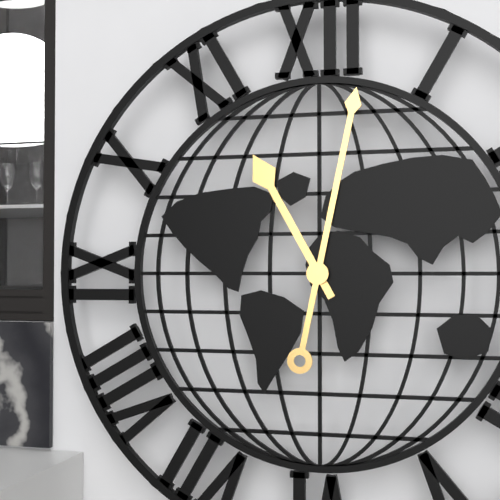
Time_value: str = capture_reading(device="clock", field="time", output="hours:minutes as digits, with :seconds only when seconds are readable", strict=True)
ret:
11:02
